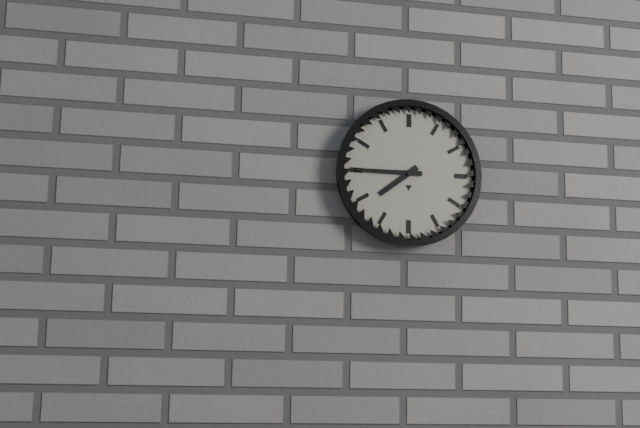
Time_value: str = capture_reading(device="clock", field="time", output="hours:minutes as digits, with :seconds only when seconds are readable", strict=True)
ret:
7:45
